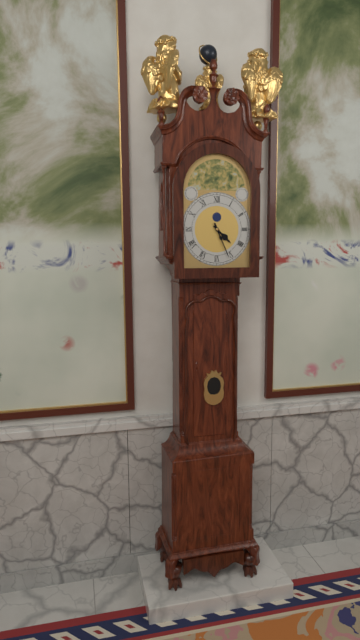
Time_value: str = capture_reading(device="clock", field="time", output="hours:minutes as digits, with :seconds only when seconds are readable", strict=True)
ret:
4:26
